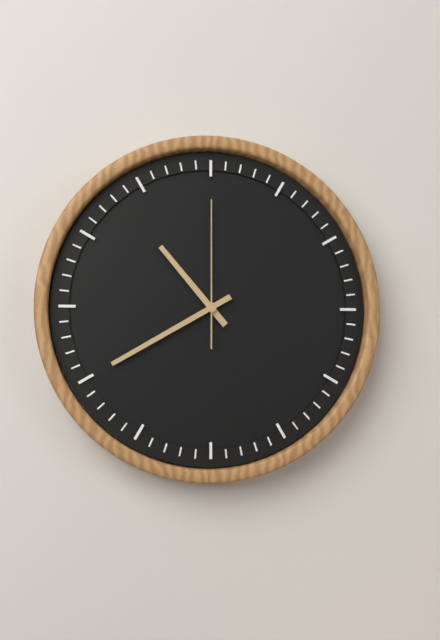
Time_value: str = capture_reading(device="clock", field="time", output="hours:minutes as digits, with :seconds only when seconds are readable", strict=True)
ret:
10:40:00
